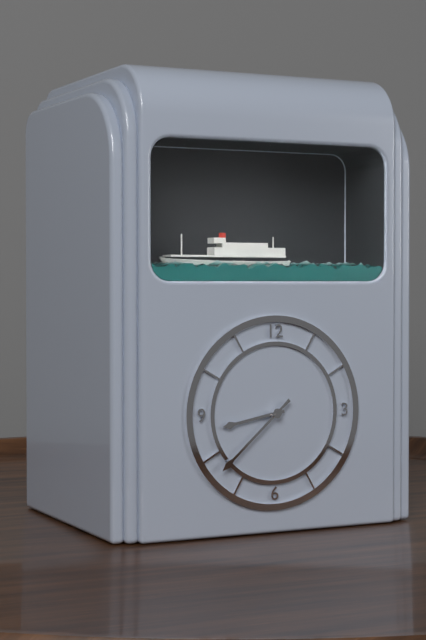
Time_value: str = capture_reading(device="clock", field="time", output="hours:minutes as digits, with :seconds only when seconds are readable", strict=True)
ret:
8:38
